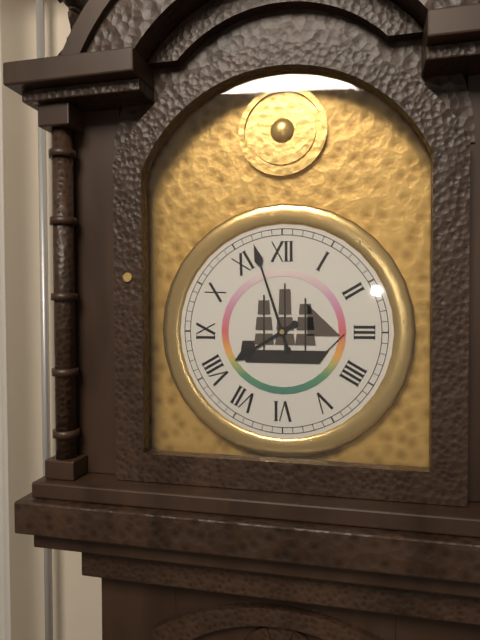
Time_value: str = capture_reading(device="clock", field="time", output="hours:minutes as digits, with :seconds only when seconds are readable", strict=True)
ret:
7:57
